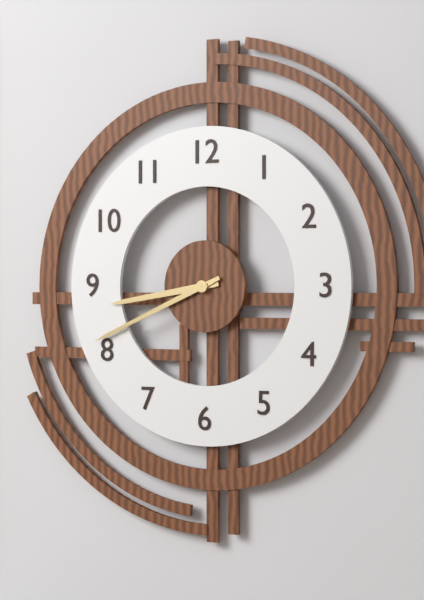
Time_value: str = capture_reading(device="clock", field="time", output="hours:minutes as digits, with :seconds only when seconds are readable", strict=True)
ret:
8:41
